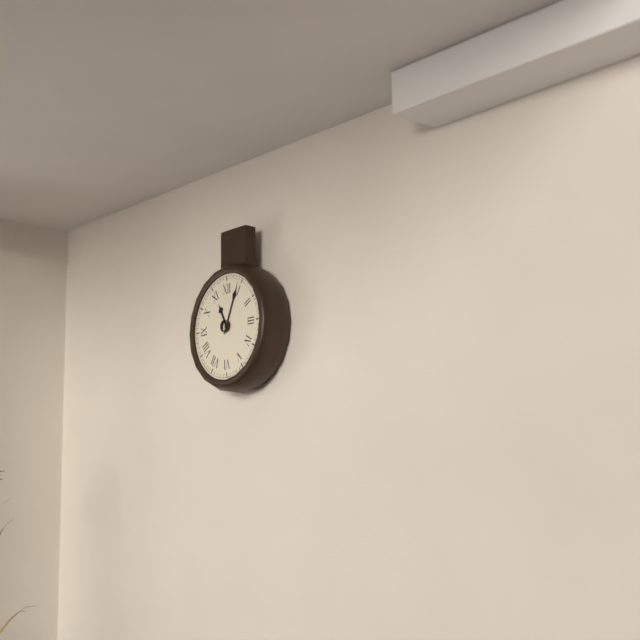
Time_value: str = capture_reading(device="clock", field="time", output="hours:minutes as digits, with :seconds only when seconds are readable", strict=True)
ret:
11:04
